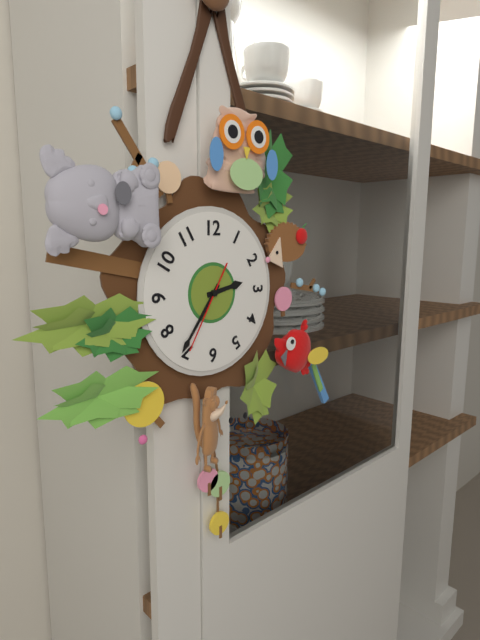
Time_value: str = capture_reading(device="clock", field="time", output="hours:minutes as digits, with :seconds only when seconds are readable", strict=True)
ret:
2:36:35
